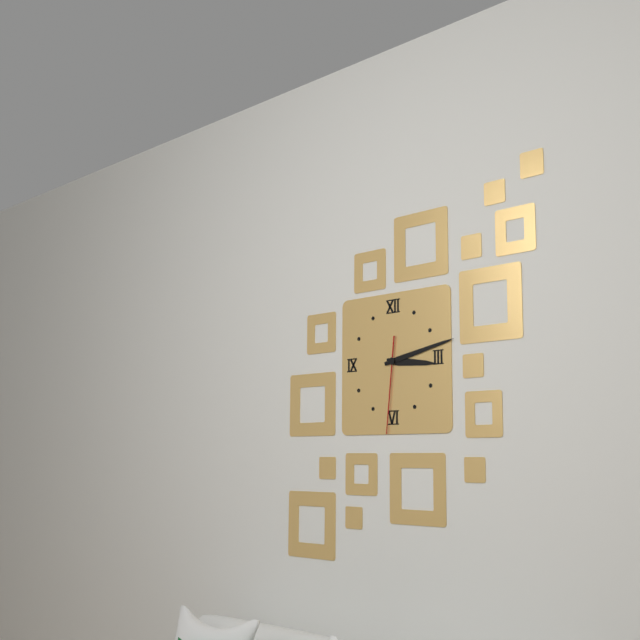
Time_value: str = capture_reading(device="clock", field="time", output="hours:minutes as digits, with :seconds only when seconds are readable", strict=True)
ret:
3:13:31
